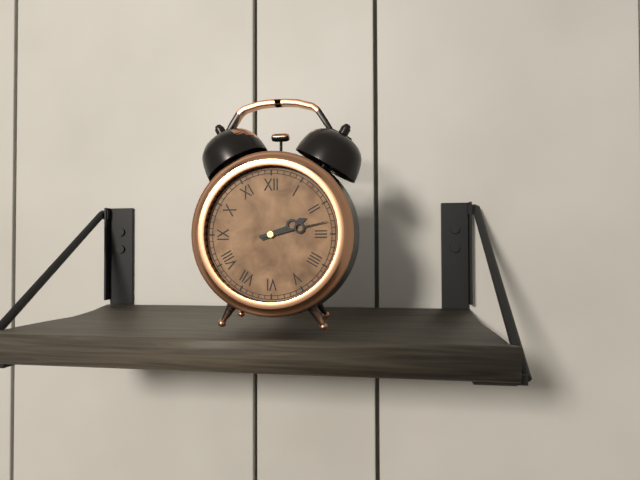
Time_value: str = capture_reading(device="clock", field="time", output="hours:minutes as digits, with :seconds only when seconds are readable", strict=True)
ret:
2:13
